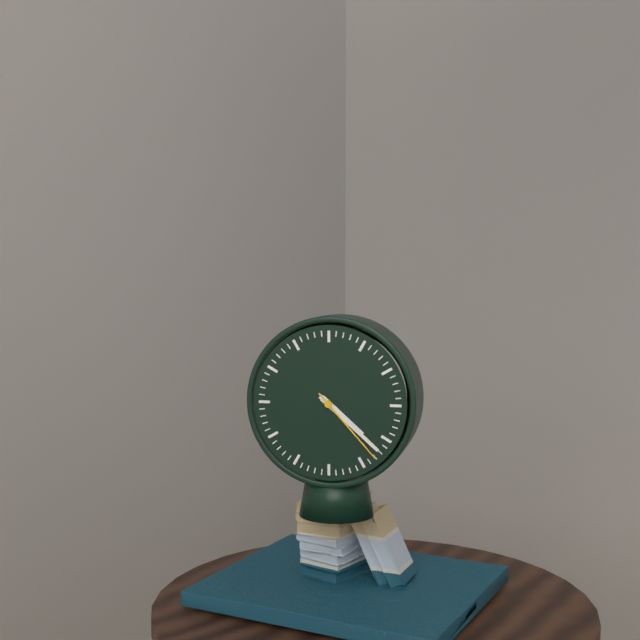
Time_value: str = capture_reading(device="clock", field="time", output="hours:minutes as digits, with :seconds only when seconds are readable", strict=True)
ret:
4:22:23
